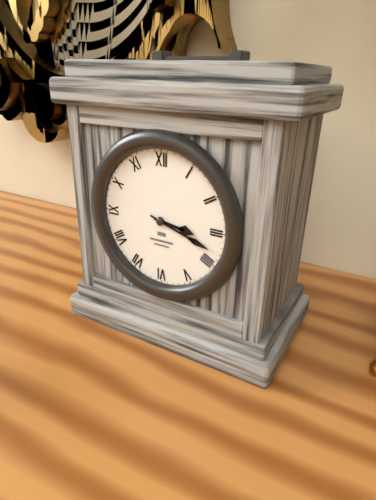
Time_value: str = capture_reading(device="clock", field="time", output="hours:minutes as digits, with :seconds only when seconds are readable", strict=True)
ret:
3:18
